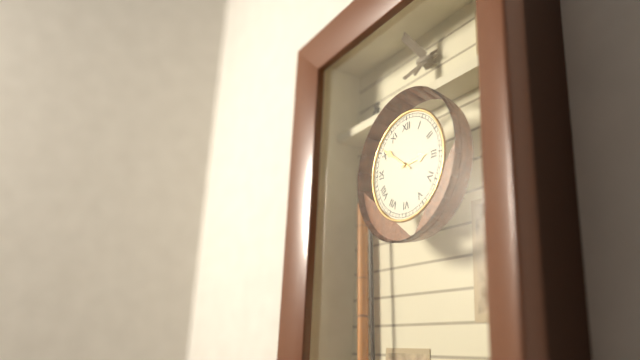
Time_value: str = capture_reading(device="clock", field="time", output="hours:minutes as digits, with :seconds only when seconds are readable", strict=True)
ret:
2:51
